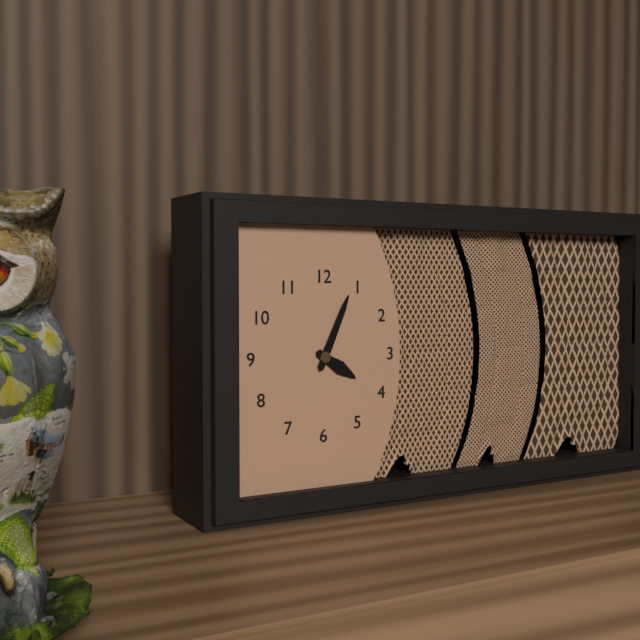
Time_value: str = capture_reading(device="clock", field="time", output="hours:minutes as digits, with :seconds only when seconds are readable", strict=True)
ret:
4:04
